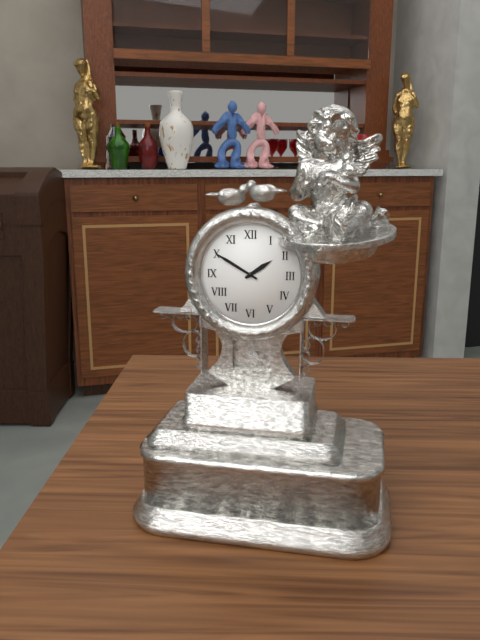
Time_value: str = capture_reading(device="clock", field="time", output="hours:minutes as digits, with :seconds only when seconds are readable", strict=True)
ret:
1:50
